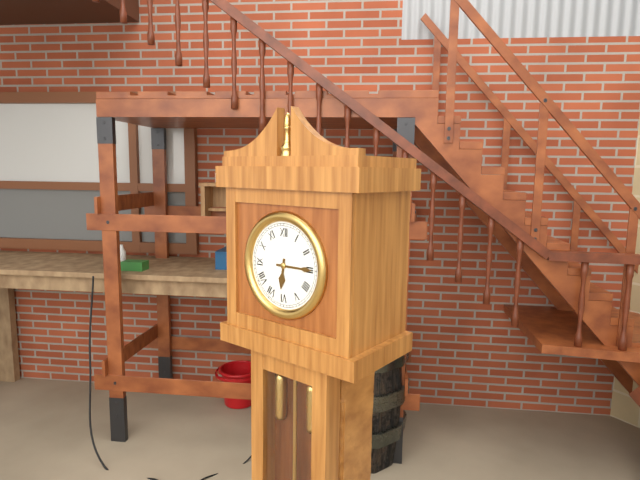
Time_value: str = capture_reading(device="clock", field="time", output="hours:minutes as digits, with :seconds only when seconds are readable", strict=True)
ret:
6:15
